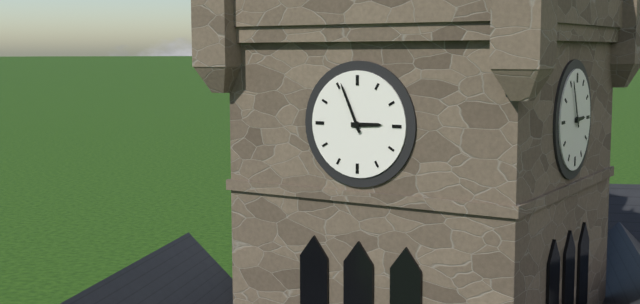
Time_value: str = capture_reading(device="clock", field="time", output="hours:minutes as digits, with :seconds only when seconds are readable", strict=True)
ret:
2:56
